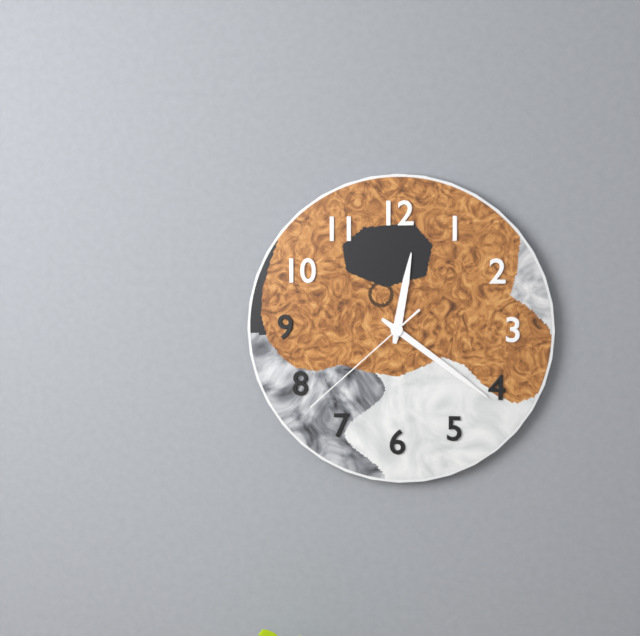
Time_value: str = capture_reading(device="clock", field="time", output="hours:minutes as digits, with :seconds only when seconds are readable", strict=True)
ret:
12:21:38
